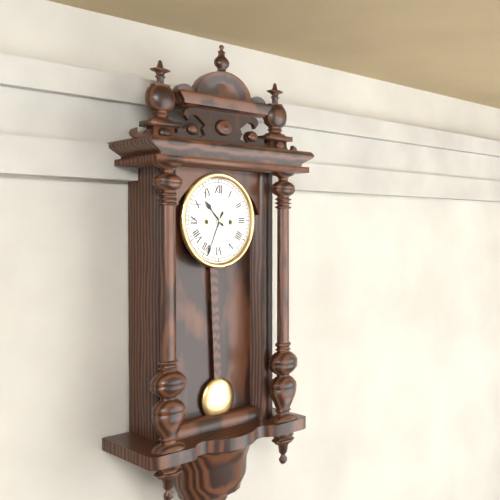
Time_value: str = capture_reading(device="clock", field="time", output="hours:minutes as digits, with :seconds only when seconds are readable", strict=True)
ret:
10:34
